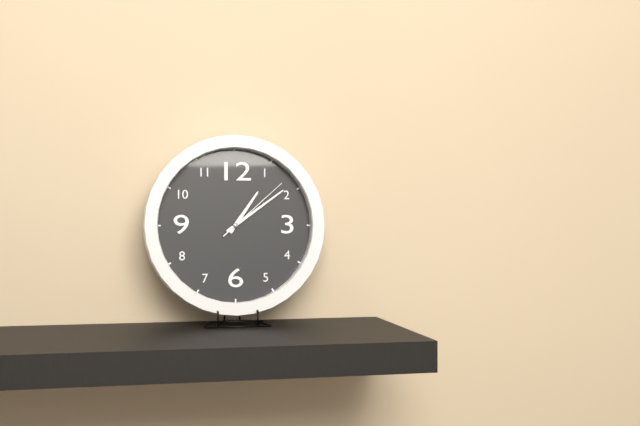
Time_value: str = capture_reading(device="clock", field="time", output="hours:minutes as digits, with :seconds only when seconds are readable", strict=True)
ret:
1:09:08
